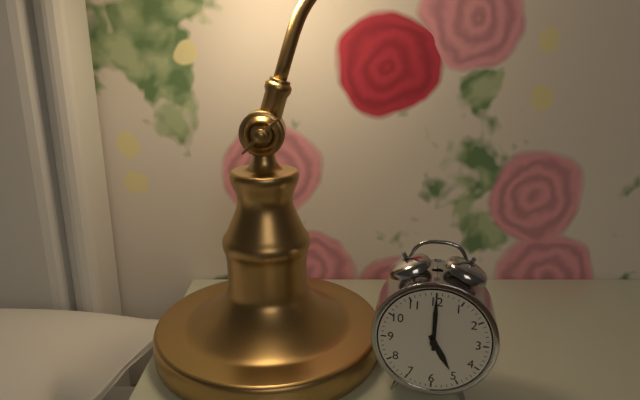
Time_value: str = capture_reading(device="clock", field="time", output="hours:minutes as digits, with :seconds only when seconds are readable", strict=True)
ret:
5:00
